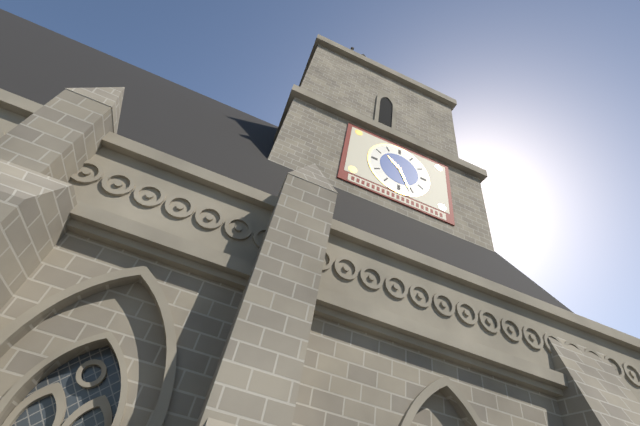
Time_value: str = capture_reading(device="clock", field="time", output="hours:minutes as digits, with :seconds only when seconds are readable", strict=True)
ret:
10:26
